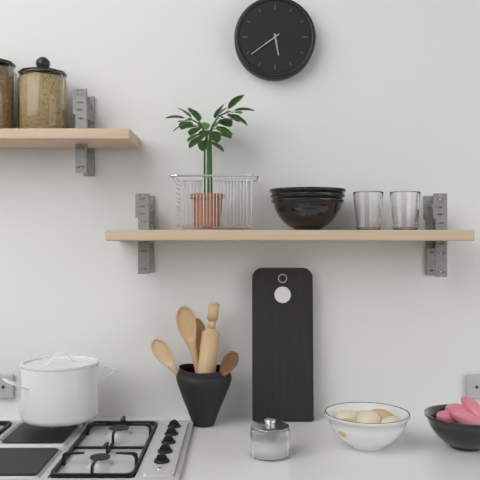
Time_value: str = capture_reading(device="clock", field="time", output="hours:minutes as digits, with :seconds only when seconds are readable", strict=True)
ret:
5:39
